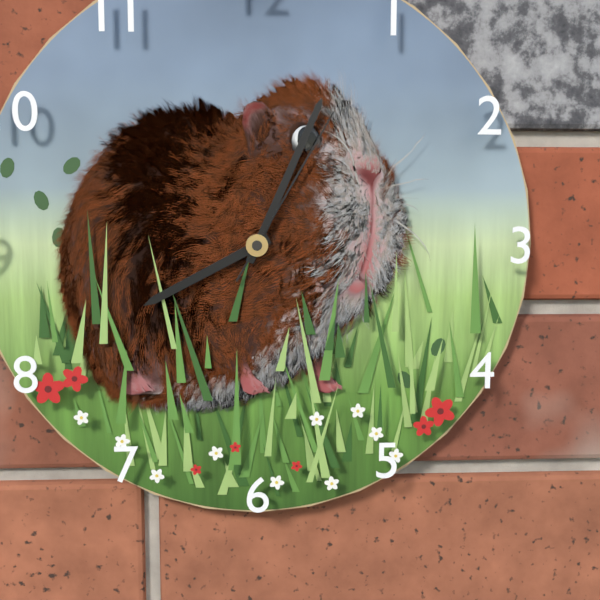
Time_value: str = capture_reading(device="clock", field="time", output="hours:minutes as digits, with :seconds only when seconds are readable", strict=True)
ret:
8:04:05
